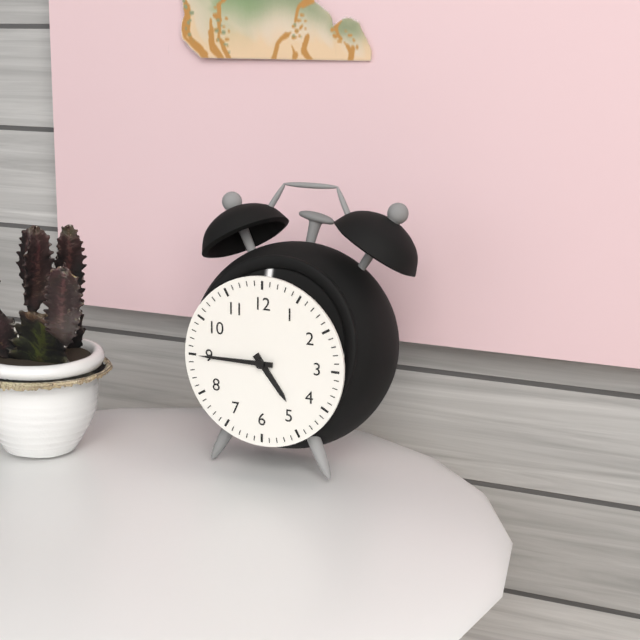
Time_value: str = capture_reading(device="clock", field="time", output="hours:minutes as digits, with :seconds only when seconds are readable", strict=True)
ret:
4:45
